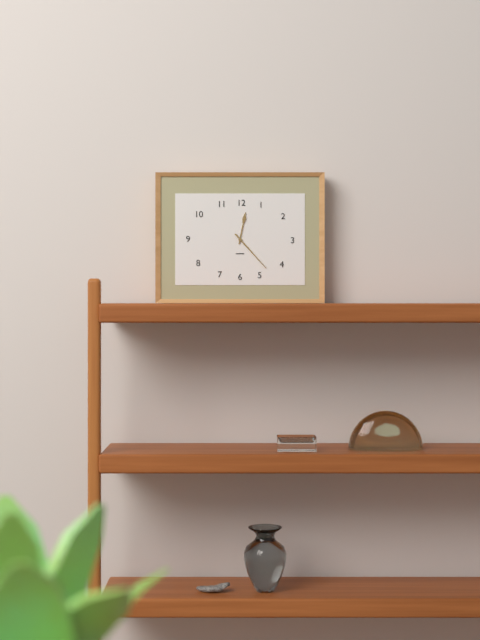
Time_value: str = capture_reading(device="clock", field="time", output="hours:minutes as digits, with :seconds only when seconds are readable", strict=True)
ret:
12:23
